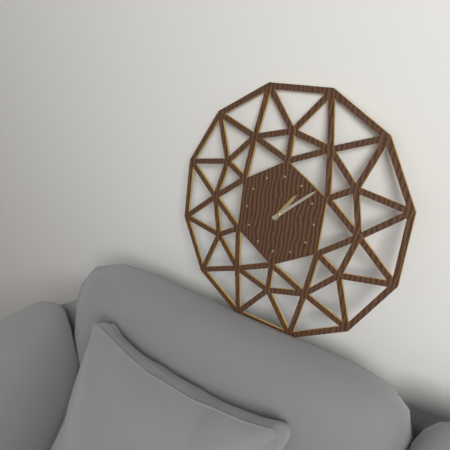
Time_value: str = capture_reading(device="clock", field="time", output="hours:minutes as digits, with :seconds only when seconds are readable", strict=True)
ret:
1:08
